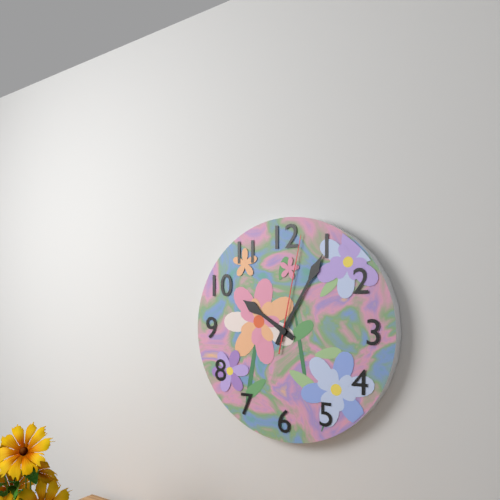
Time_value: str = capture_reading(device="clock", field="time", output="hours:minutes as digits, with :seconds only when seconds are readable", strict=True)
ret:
10:05:02
